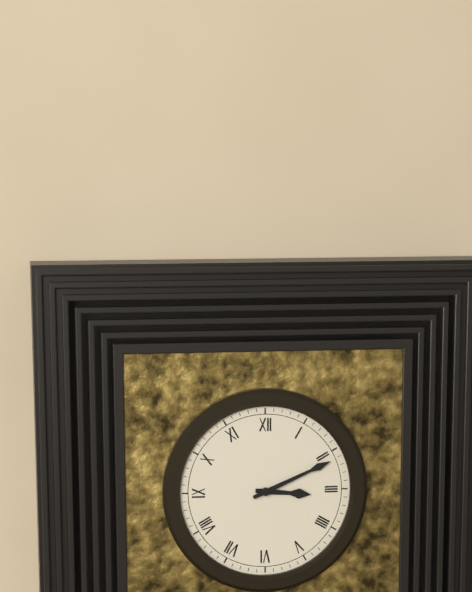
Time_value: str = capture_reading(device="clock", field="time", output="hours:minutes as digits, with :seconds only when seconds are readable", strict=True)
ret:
3:11
